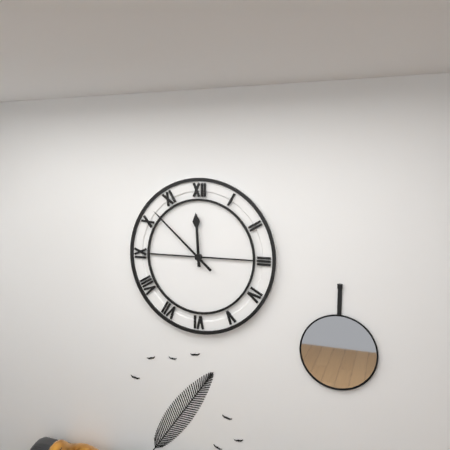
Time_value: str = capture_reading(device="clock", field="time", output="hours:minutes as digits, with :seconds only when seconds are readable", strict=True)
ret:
11:52
